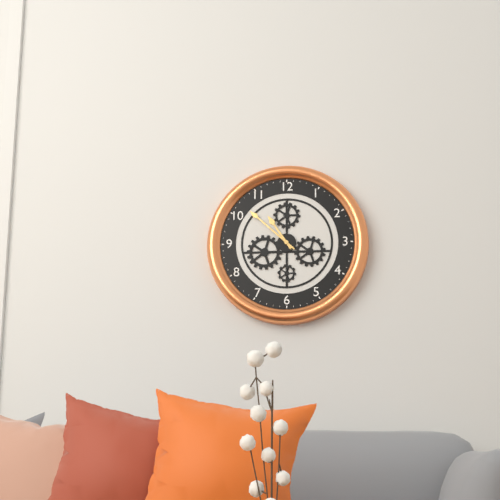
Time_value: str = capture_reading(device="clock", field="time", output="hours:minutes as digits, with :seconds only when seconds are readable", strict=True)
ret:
10:52
